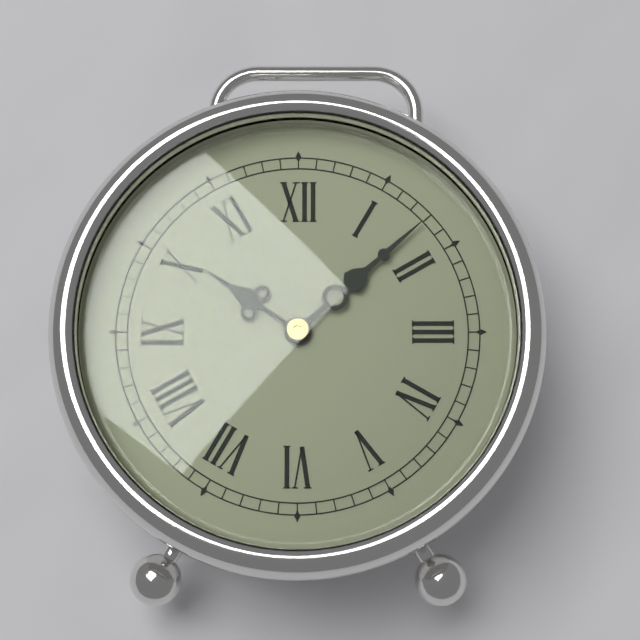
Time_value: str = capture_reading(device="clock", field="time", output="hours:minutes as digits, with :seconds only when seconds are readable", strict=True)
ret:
10:08
